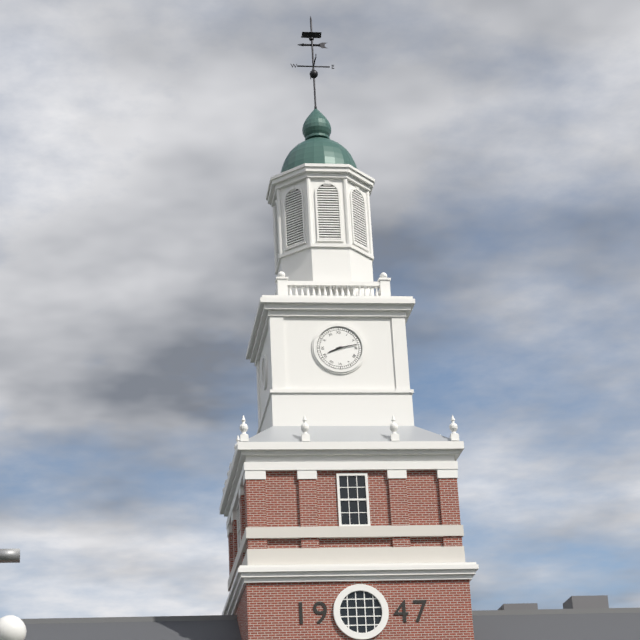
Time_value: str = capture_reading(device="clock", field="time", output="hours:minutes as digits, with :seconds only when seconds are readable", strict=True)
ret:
8:13
